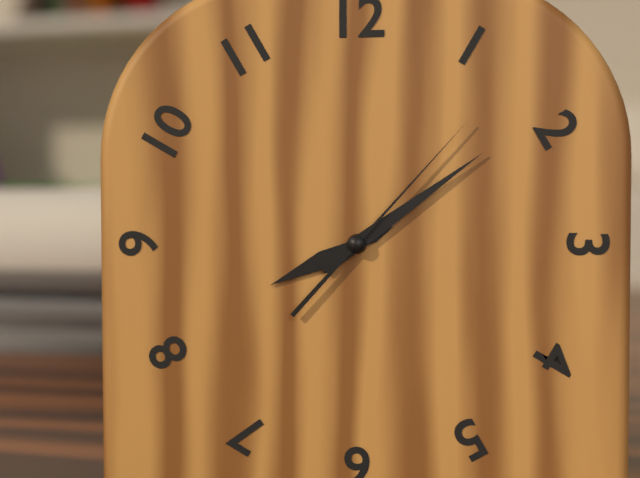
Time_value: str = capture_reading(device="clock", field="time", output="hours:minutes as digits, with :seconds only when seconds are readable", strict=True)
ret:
8:09:07
